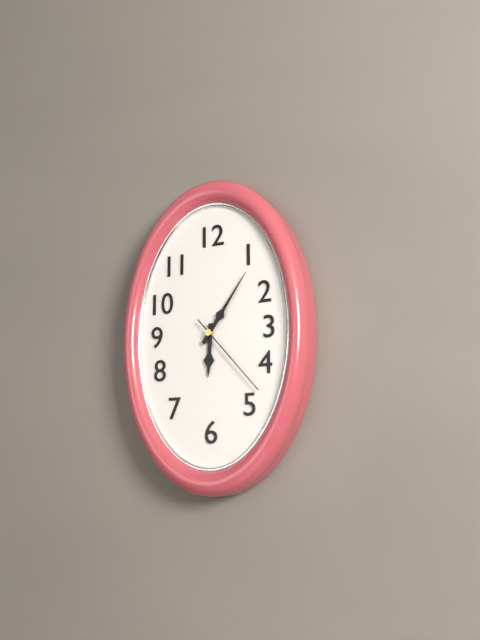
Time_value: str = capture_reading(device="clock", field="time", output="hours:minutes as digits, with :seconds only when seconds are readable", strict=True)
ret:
6:06:23
